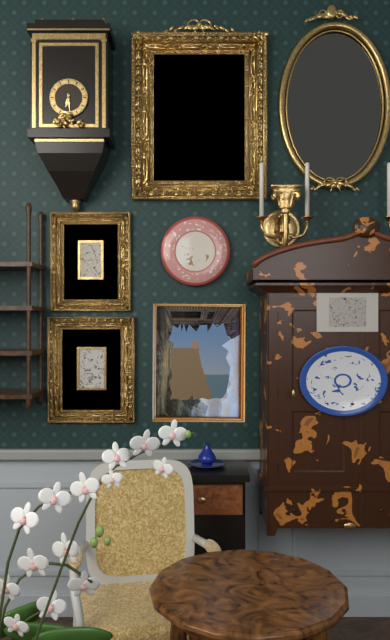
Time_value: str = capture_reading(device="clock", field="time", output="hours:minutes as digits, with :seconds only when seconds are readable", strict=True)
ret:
6:29
